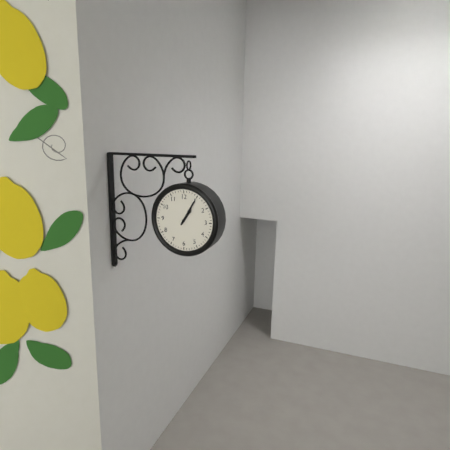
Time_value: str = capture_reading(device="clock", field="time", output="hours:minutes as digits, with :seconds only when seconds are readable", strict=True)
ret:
1:05
